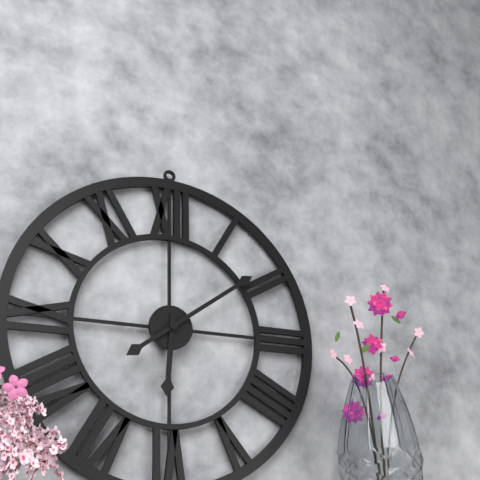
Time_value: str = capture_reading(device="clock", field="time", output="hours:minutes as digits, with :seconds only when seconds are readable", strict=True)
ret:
6:09
